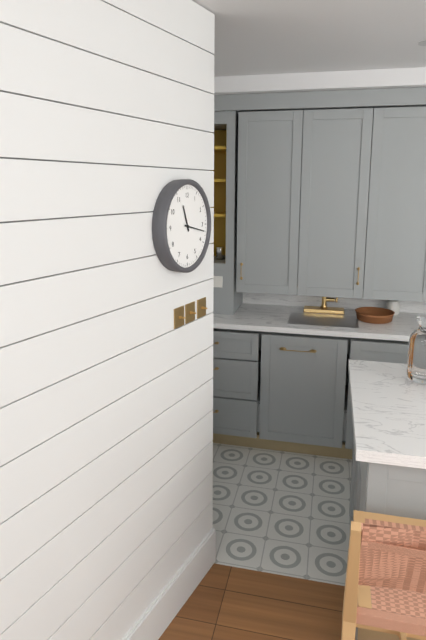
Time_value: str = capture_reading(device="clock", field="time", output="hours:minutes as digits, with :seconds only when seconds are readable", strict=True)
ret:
11:17
